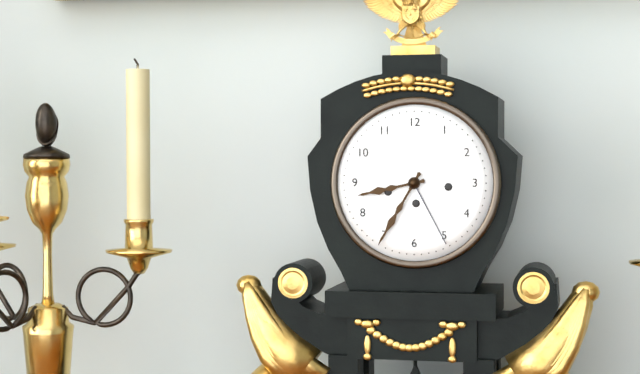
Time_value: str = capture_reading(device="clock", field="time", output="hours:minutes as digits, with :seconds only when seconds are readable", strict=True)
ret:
8:35
